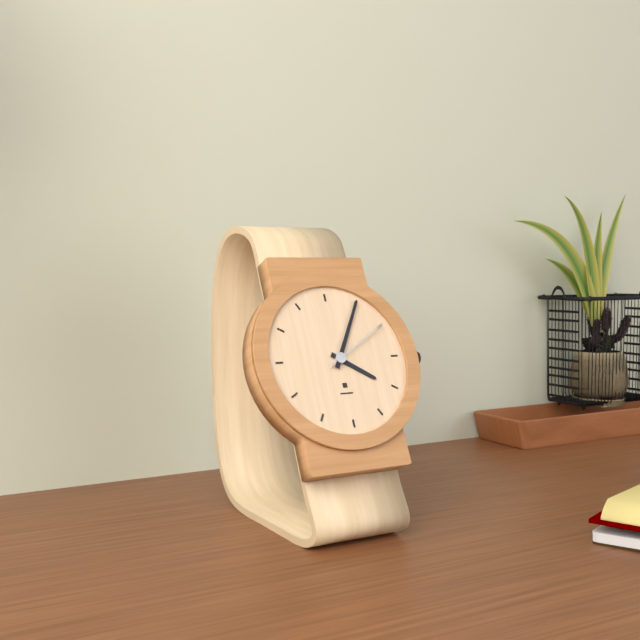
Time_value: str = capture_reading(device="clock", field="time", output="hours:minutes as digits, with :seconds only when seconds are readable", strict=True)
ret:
4:05:10
